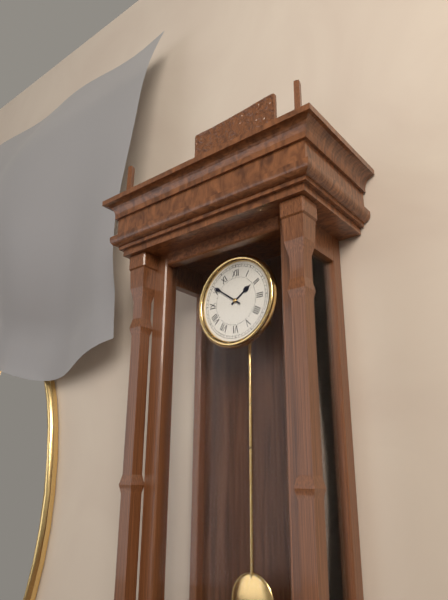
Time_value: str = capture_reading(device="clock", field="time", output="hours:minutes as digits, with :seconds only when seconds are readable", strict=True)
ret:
1:51
